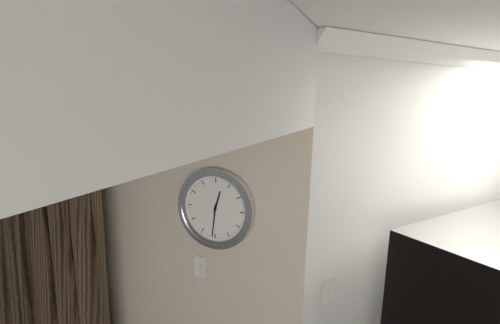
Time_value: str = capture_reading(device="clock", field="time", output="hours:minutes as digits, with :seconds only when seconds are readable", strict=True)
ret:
12:31
